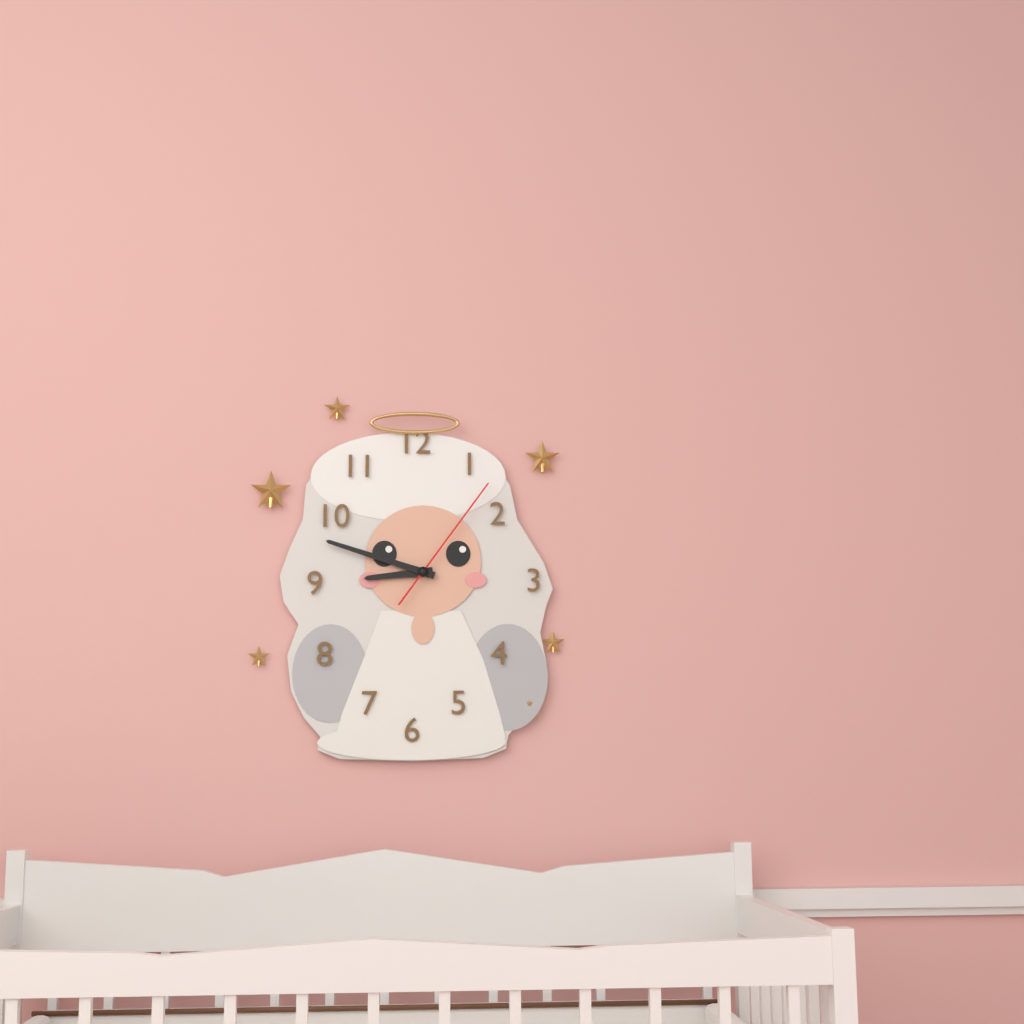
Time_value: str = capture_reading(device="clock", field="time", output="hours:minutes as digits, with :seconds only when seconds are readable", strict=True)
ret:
8:48:06
